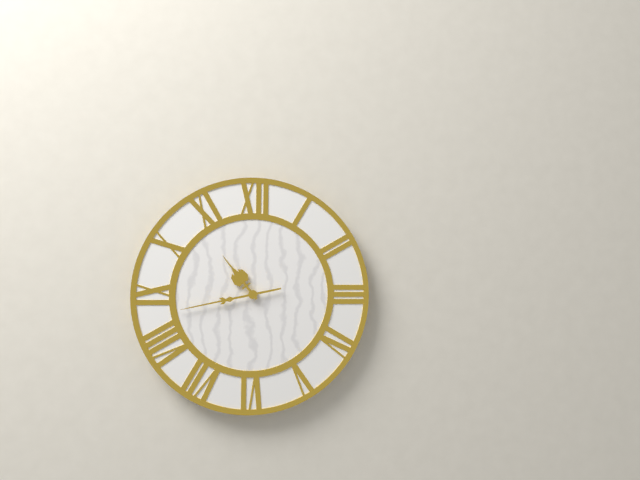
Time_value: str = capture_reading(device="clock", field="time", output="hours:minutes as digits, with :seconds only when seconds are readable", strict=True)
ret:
10:43
